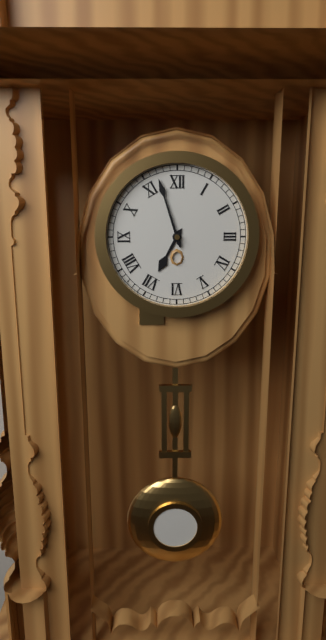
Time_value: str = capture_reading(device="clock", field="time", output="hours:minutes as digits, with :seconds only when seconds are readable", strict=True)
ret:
6:57
